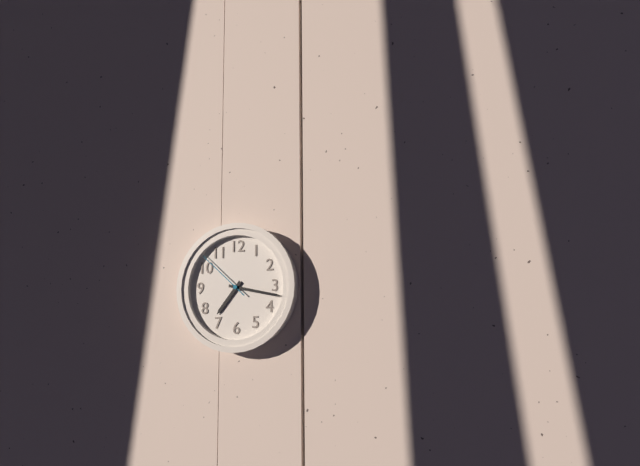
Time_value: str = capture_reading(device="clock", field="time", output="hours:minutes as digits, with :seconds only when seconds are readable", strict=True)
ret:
7:17:52
